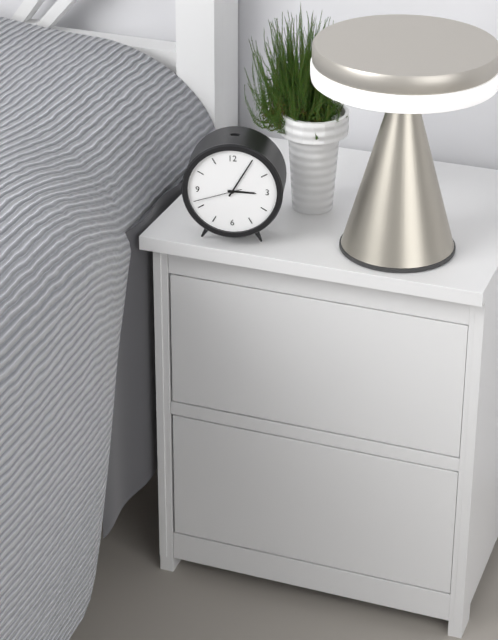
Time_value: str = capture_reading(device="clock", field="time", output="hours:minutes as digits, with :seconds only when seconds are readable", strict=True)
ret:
3:05
